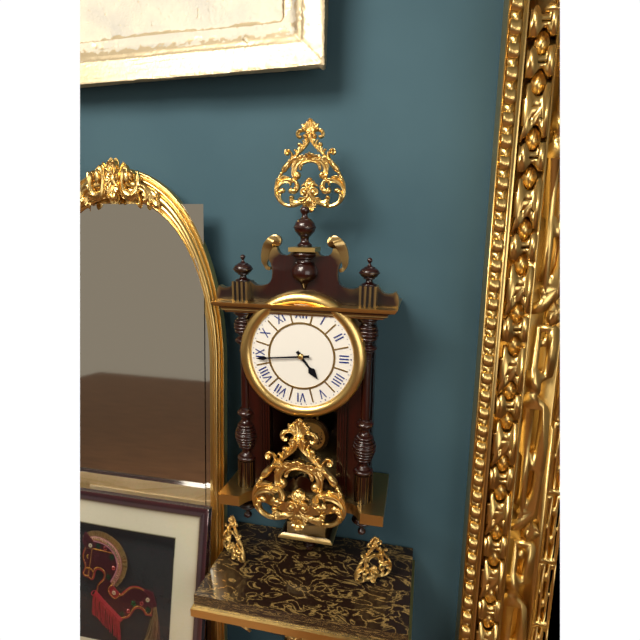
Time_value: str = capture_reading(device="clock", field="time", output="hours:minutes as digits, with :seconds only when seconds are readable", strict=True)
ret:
4:44
